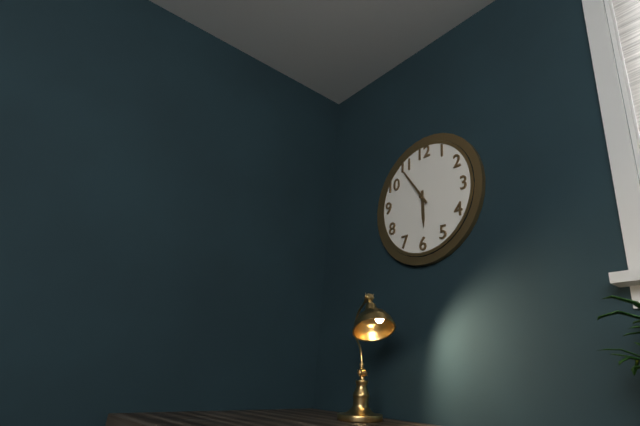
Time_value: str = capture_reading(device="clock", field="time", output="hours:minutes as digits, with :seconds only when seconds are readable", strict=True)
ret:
5:54
